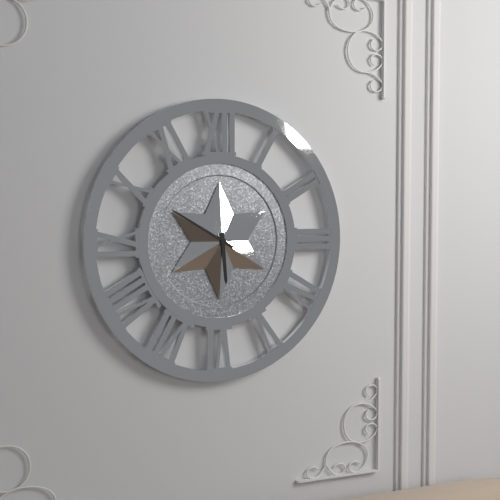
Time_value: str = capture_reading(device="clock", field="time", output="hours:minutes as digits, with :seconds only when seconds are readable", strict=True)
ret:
5:50
